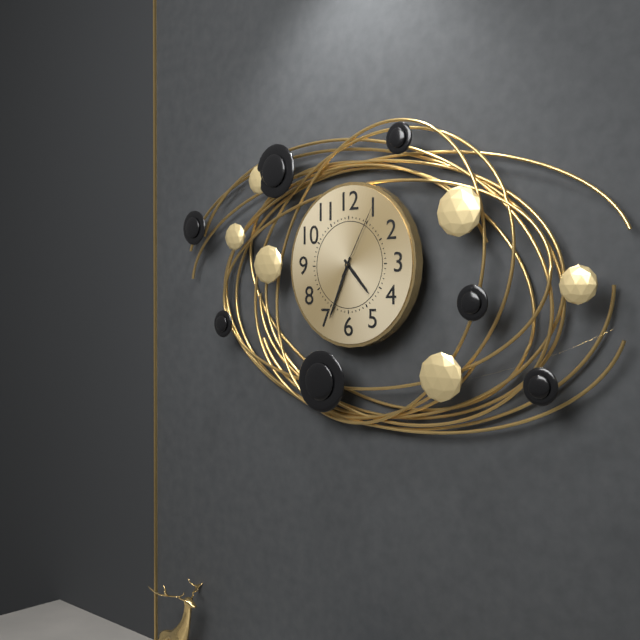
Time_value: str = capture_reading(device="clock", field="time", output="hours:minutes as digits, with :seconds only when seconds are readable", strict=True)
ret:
4:34:05
